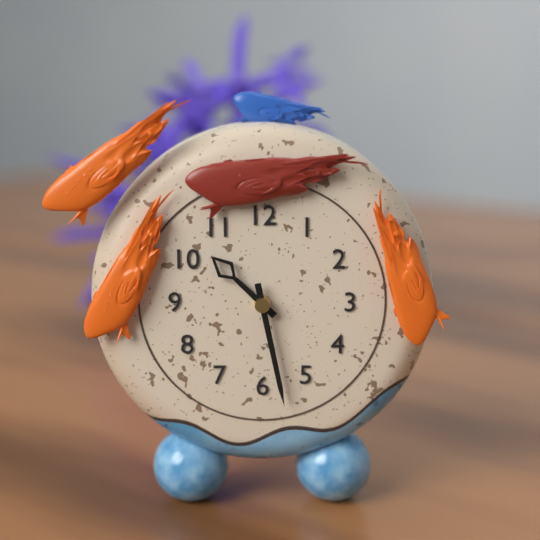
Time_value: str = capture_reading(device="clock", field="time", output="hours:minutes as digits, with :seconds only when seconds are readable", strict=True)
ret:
10:28
